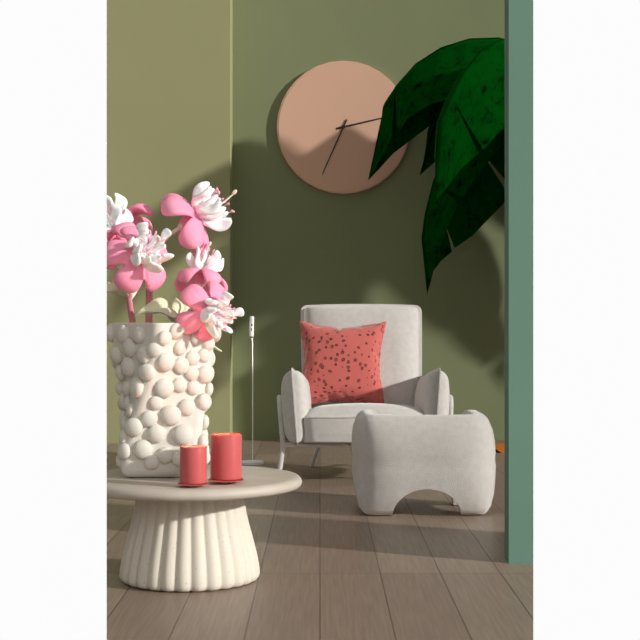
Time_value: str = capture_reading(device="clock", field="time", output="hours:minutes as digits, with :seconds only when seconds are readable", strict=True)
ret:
2:34
